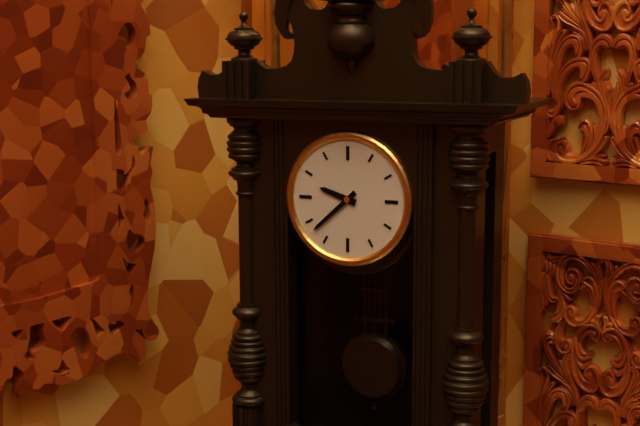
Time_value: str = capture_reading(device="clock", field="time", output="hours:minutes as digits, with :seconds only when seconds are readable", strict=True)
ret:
9:38
